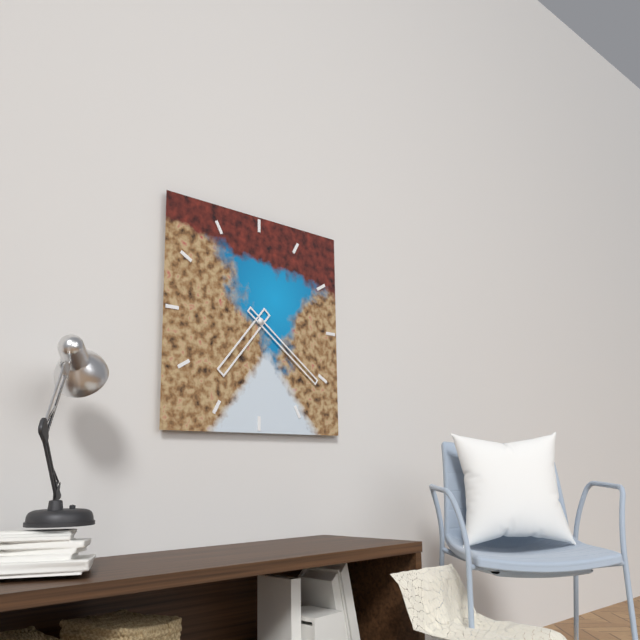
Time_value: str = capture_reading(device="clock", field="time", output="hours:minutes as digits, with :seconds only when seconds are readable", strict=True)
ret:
7:21
